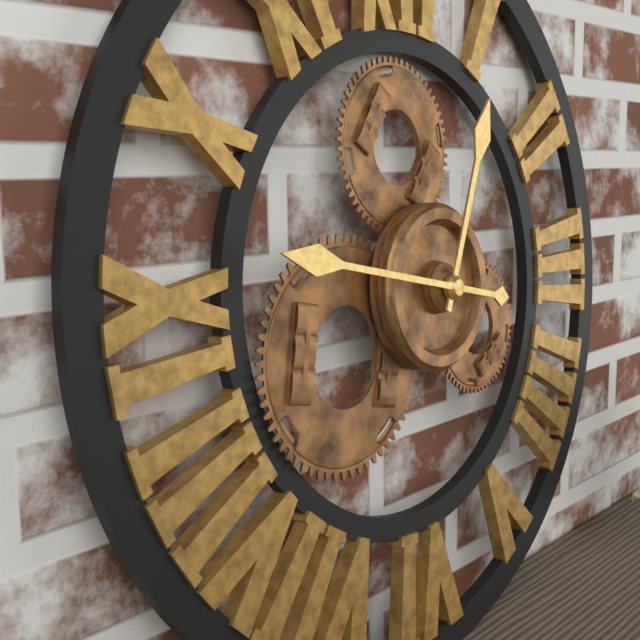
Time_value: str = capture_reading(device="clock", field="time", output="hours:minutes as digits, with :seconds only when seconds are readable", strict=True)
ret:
12:47
